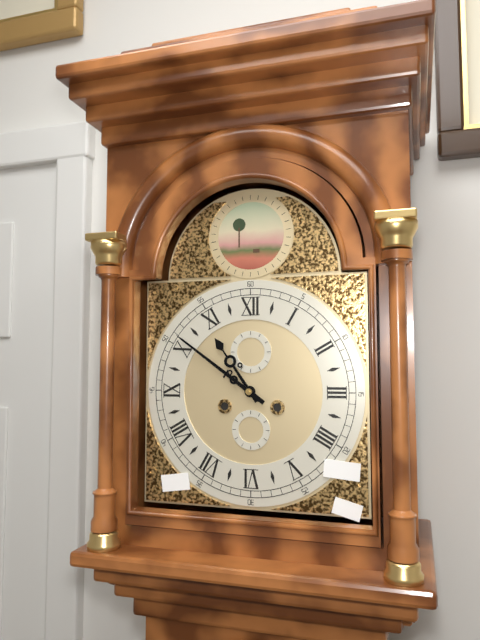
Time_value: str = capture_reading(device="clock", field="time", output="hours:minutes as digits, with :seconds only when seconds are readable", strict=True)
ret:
10:51
